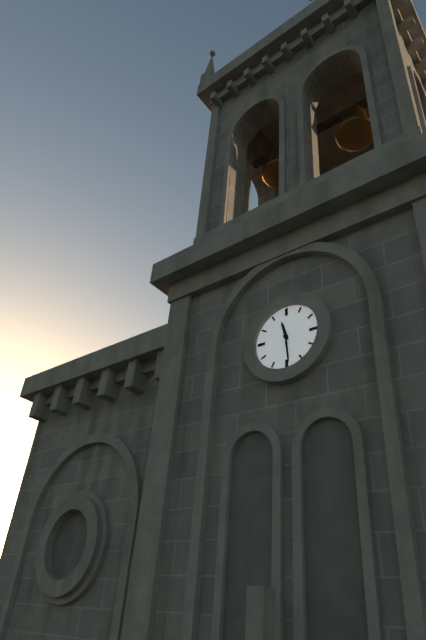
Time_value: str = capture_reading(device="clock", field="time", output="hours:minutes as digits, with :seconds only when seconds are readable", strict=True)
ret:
11:29
